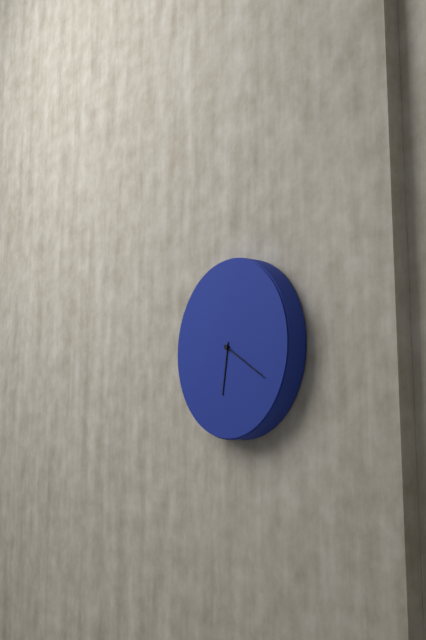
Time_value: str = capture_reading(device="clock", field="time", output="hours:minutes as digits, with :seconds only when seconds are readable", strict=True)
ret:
6:20
